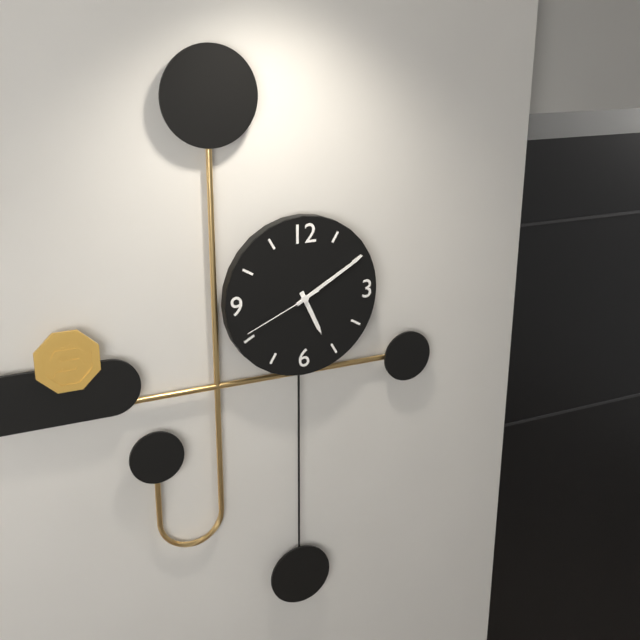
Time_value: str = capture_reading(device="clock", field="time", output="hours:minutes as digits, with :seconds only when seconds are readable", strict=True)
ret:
5:10:41
